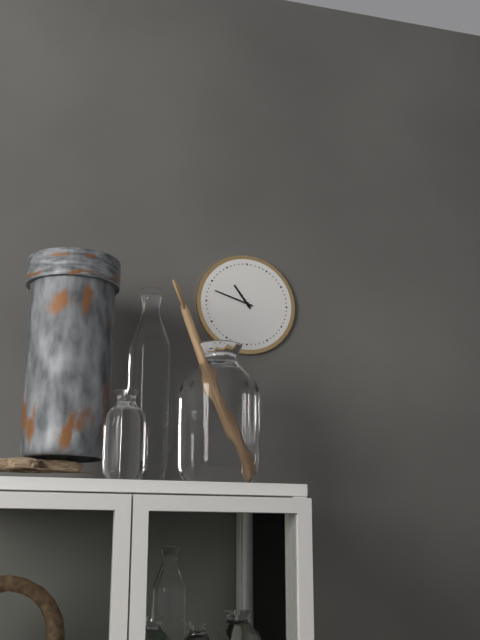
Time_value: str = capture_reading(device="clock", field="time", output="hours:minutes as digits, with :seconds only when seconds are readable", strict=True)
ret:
10:48
